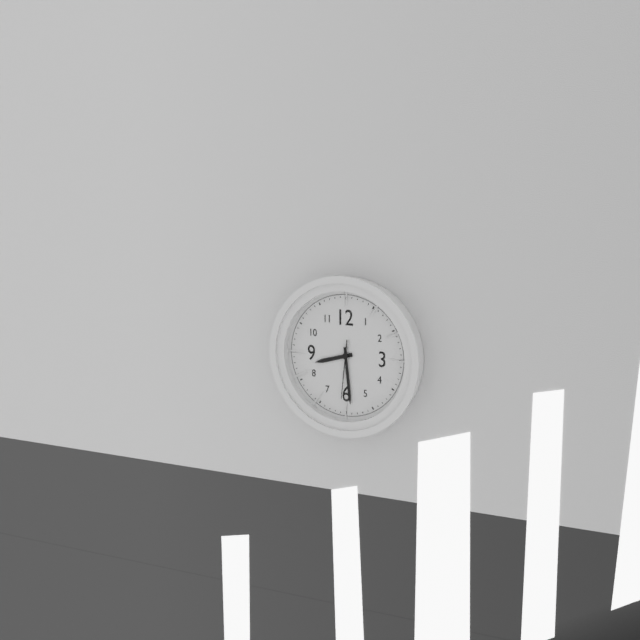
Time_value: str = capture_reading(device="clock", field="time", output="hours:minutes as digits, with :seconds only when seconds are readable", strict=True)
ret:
8:29:31
